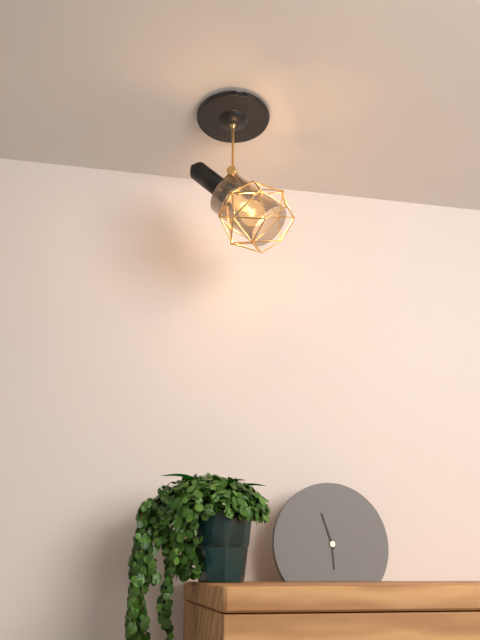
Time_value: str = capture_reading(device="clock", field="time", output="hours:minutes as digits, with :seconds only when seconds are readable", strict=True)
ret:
5:57
